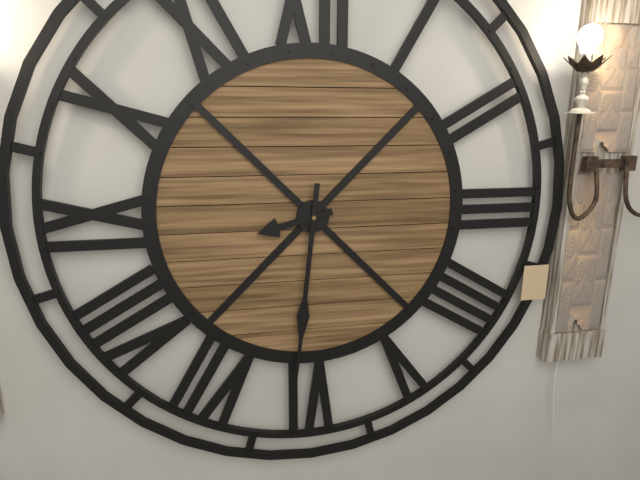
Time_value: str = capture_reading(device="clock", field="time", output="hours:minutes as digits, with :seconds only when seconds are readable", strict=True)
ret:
8:31
